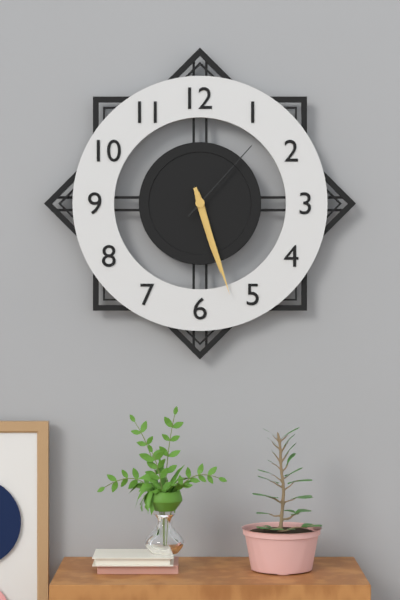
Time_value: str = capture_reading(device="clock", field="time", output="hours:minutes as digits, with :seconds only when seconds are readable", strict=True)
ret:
5:27:07
